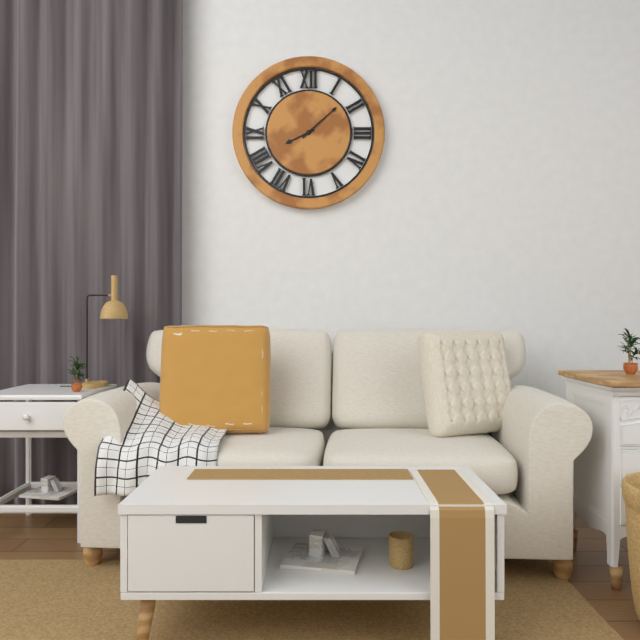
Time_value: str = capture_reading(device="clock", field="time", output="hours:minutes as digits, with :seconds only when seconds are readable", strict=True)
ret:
8:08
